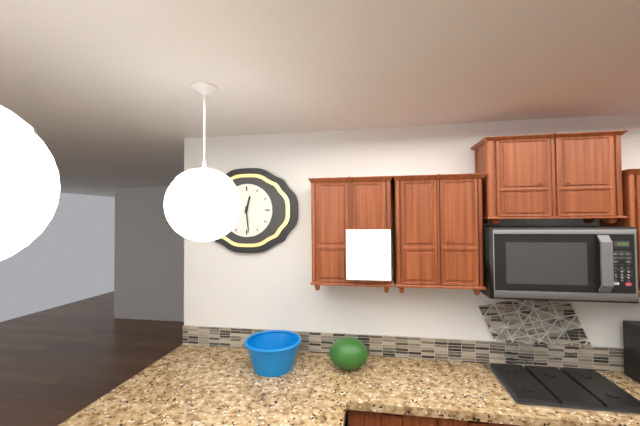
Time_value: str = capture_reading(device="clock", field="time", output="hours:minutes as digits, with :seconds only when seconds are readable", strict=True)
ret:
12:29
